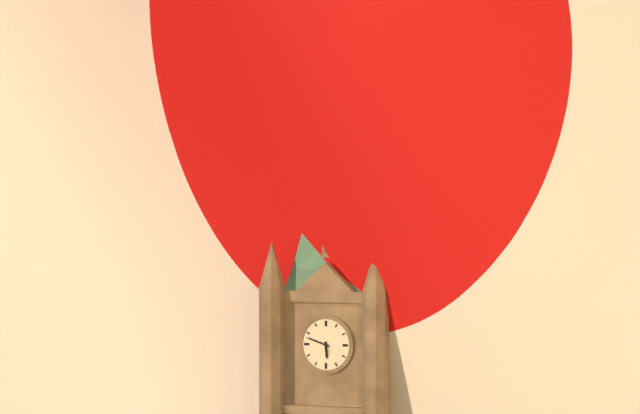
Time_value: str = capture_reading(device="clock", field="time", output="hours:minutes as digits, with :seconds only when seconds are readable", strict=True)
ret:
5:48
